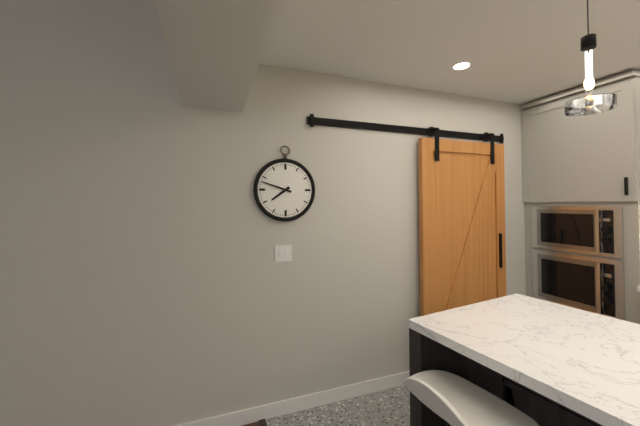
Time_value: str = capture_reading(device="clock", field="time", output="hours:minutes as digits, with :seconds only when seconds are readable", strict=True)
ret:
7:48
